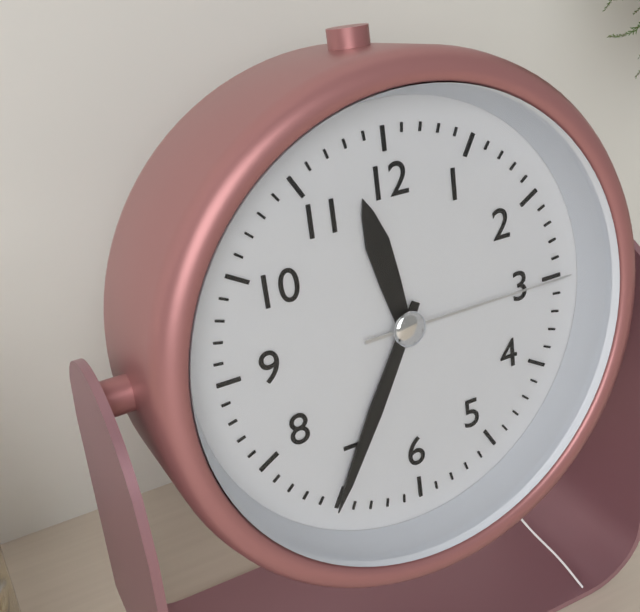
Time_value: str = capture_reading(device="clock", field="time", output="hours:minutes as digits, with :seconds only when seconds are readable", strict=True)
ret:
11:35:15
